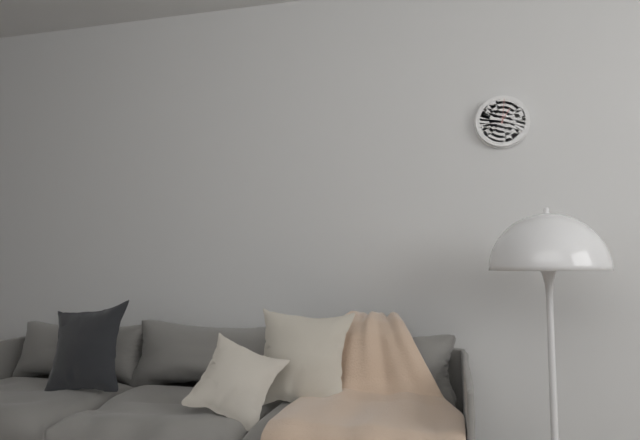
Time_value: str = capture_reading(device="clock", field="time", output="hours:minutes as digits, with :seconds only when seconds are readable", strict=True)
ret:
1:01
